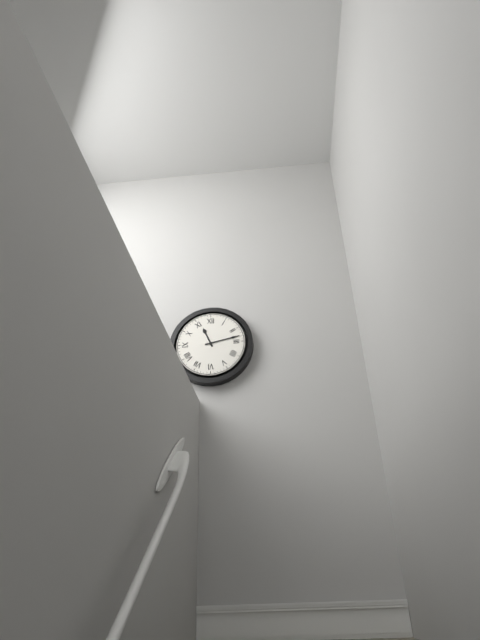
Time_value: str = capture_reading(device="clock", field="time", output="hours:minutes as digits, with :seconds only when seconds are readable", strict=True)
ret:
11:13
